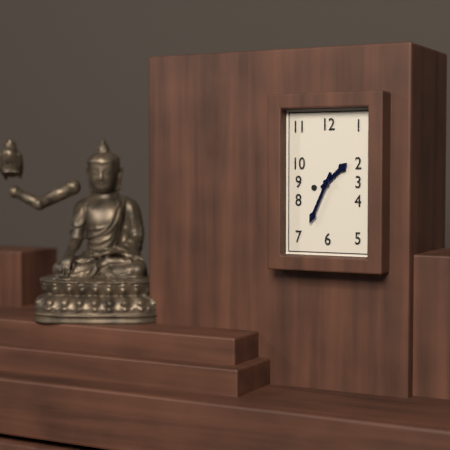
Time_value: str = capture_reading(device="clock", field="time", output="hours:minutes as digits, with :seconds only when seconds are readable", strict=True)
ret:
1:34
